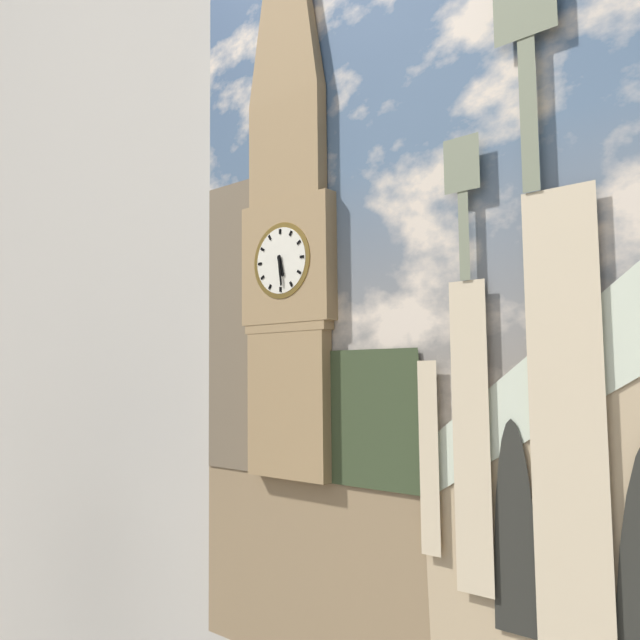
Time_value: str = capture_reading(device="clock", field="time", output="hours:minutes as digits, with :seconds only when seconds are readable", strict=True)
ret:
5:29
